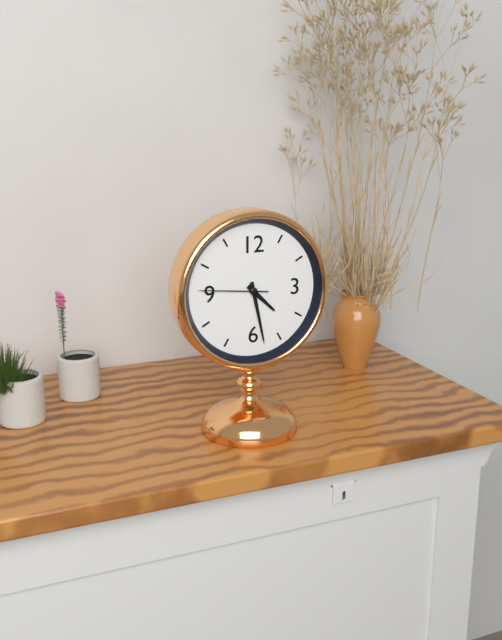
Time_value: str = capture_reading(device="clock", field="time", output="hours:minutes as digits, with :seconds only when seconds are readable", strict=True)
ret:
4:28:46
